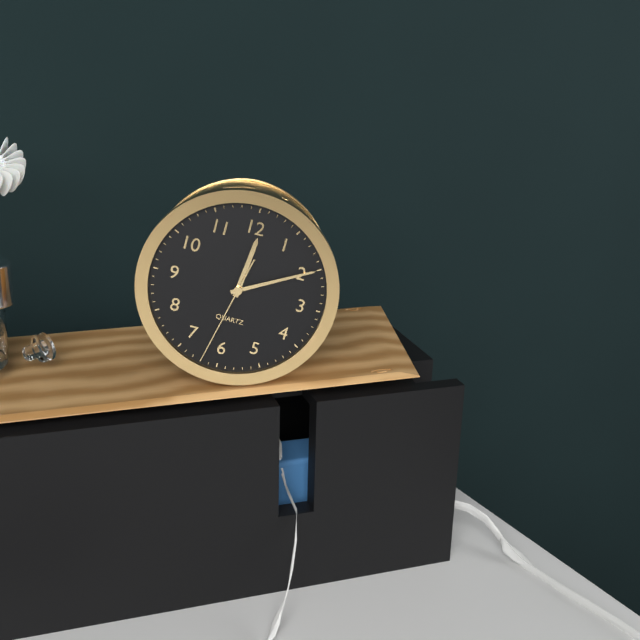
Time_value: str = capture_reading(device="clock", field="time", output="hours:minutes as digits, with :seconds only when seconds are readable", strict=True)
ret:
12:10:32
